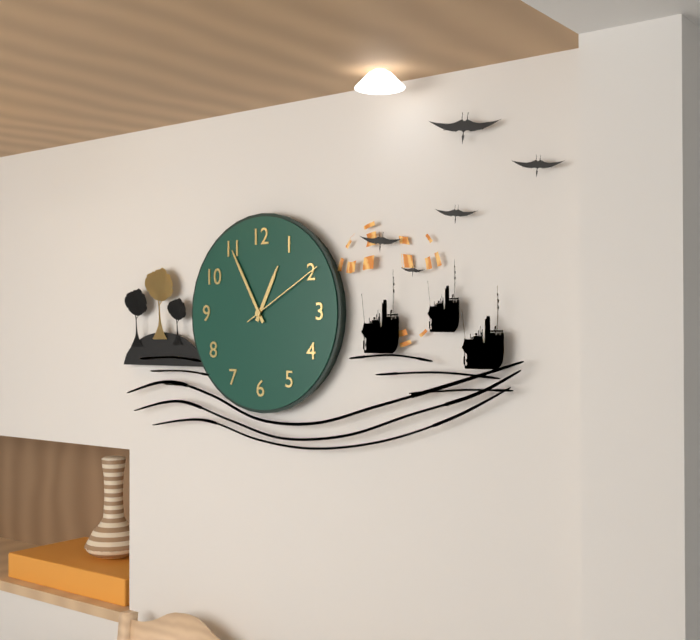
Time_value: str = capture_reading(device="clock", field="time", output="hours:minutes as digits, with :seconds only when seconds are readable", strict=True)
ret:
12:55:10
